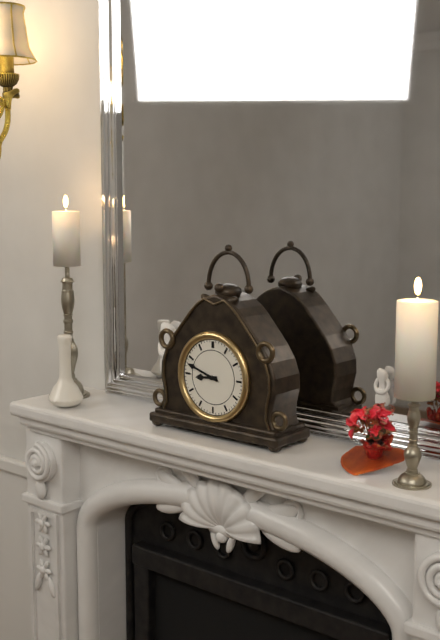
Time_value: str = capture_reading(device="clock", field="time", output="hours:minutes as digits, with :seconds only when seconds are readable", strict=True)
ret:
8:48
